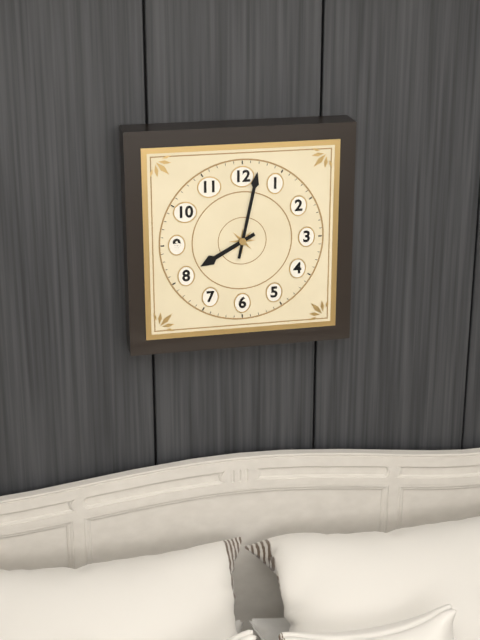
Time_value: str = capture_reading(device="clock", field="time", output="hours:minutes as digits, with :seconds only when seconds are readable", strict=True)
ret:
8:02
